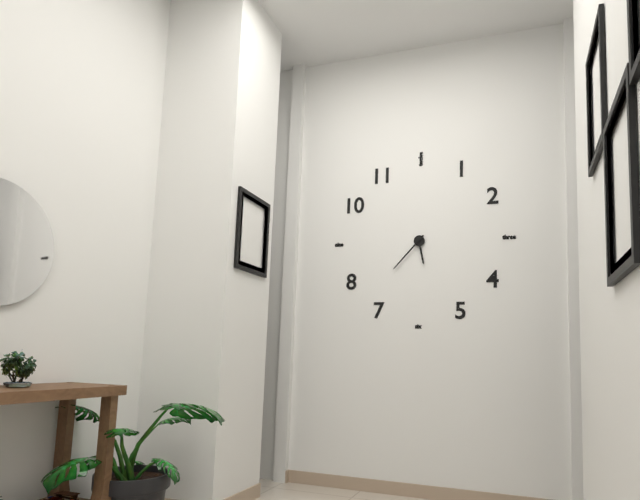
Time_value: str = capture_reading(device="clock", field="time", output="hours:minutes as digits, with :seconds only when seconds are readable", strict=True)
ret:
5:37
